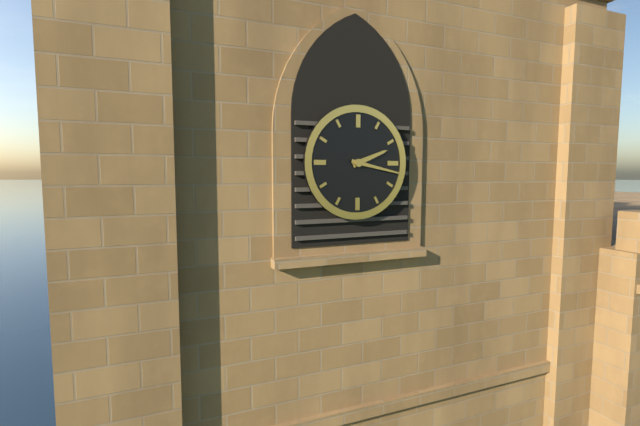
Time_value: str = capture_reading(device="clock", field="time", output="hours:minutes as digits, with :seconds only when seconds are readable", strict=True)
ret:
2:17
